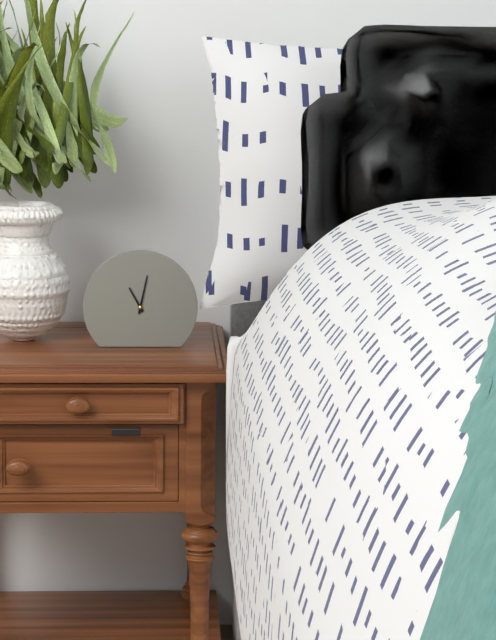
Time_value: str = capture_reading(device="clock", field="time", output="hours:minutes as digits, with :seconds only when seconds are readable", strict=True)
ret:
11:02
